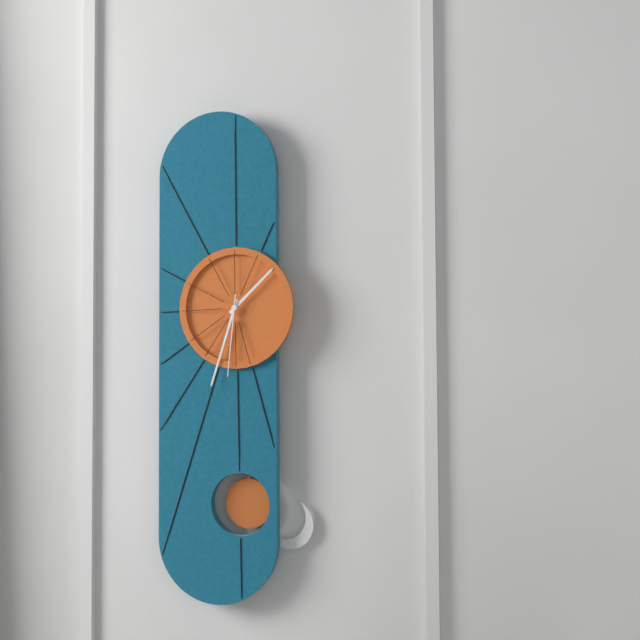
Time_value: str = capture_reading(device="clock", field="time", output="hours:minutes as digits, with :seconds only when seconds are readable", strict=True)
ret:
1:33:31
